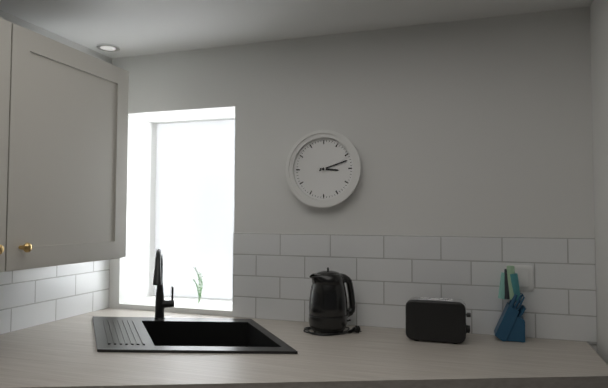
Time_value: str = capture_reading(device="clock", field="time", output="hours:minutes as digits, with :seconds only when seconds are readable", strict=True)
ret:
3:12
